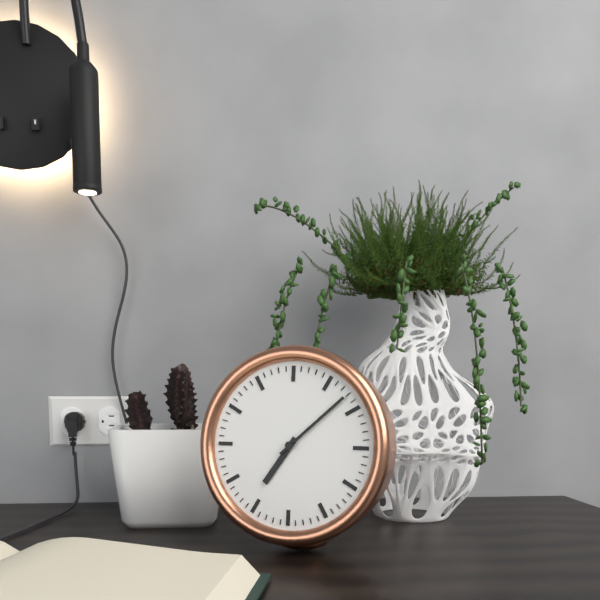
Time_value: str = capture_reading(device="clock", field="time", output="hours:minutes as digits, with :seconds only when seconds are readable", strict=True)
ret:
7:08
